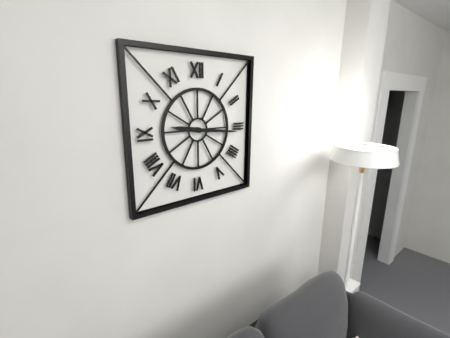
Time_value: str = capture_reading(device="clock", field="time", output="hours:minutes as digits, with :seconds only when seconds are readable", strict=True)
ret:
9:16
